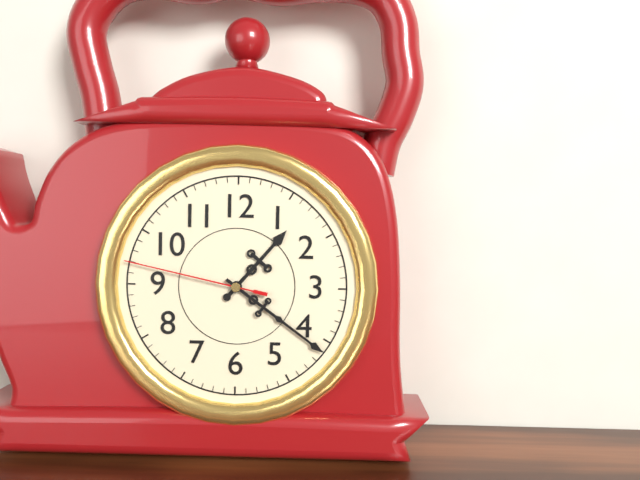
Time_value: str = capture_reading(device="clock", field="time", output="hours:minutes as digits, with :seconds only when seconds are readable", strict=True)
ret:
1:21:47
